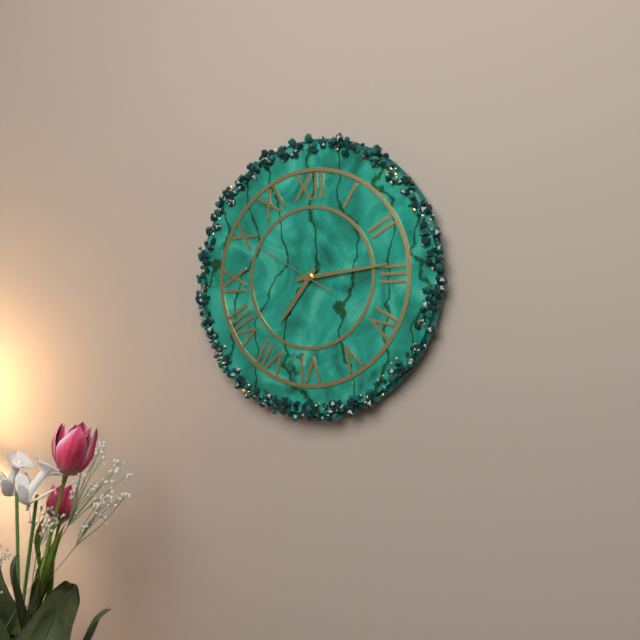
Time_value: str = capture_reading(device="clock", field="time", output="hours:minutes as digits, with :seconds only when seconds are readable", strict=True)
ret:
7:14:50
